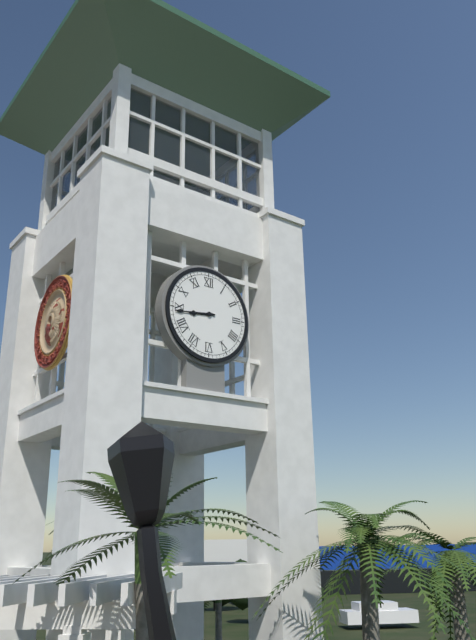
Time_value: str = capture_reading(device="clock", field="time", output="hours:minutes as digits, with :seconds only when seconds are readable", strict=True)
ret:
8:44
